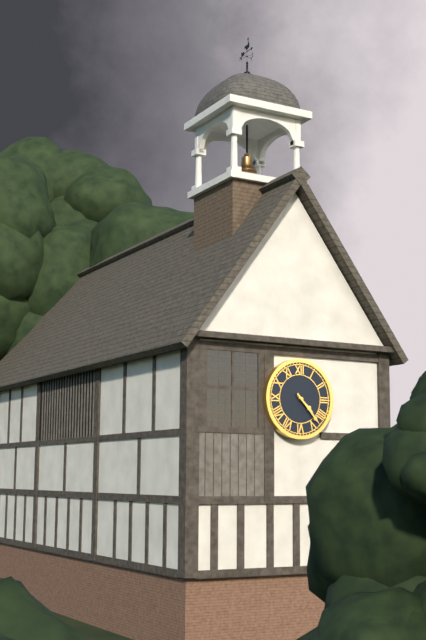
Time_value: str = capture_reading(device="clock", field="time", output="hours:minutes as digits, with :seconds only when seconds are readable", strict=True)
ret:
4:23
